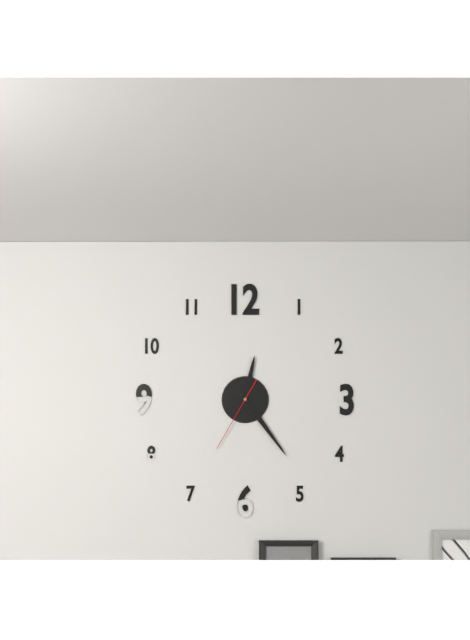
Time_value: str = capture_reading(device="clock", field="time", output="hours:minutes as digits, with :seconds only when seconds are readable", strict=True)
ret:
12:24:35
